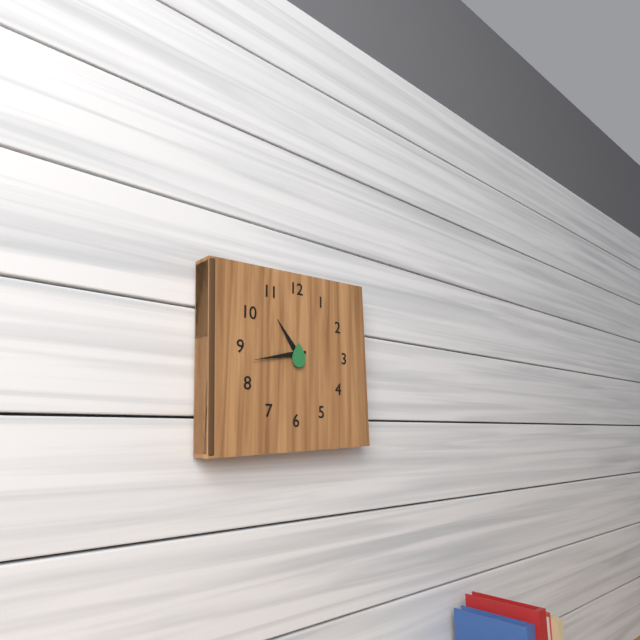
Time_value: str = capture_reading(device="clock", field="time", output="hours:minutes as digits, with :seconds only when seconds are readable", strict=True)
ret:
10:43
